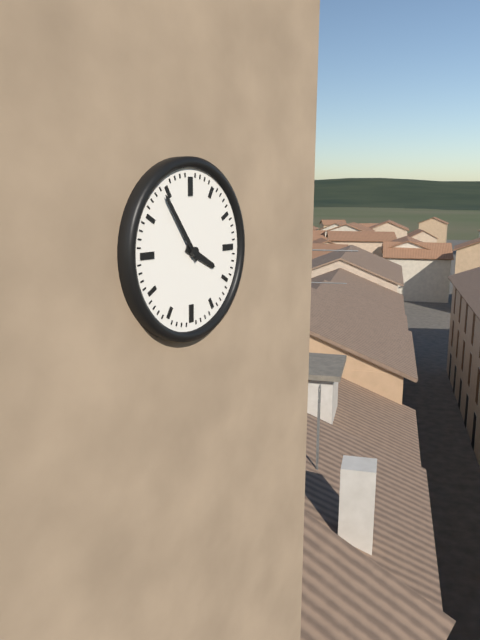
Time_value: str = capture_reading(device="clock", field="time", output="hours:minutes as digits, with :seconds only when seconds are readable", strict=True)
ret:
3:54
